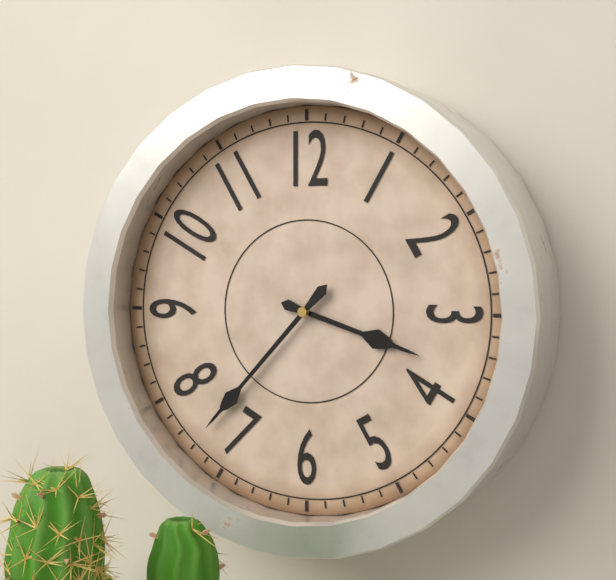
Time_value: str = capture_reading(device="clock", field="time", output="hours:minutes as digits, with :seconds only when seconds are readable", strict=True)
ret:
3:37
